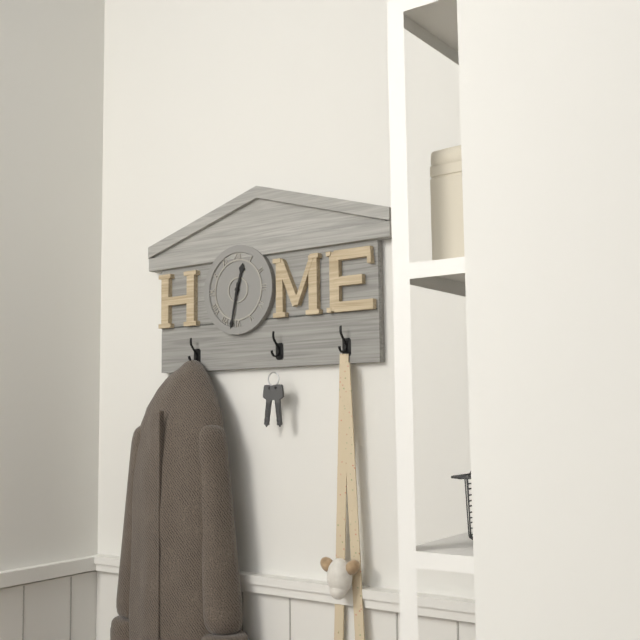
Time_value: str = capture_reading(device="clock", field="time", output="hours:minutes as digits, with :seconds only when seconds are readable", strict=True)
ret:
12:32
